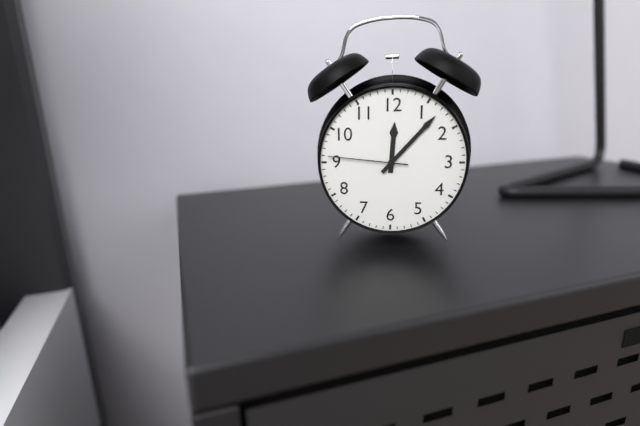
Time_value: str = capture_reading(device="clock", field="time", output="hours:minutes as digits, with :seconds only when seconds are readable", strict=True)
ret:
12:07:46
